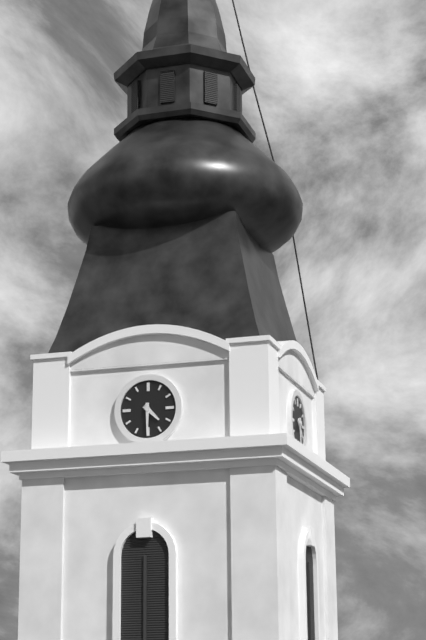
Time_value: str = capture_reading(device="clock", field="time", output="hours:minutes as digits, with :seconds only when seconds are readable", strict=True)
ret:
4:30
